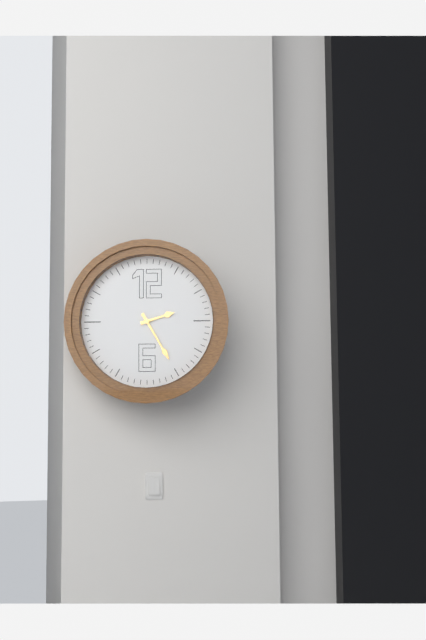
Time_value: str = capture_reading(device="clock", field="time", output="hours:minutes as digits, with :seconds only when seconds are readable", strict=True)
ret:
2:25
